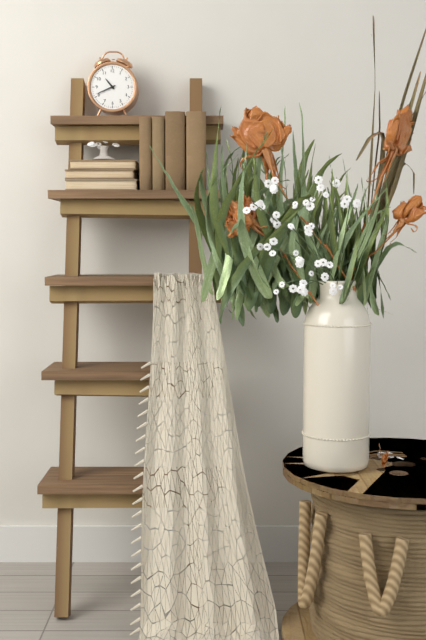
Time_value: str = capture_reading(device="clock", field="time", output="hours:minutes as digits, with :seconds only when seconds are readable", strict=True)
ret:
10:41
